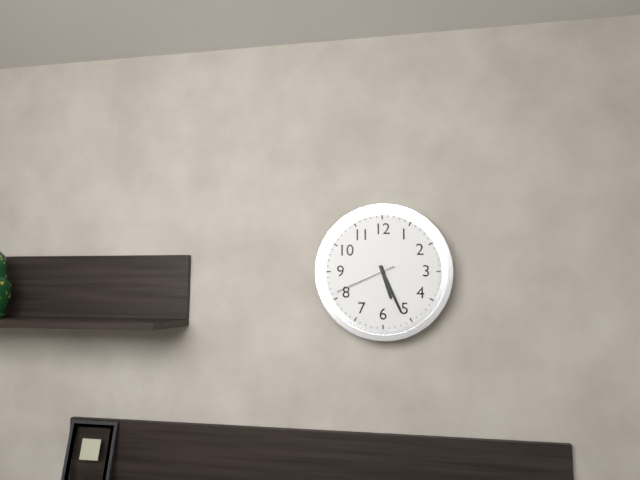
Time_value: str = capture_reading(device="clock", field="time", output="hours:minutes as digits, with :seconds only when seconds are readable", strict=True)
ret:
5:26:41
